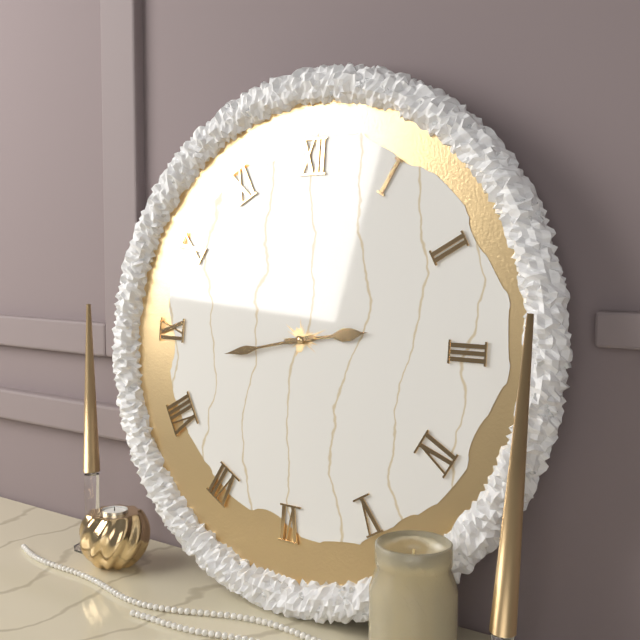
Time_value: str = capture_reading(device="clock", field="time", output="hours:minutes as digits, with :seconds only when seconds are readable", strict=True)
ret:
2:43
